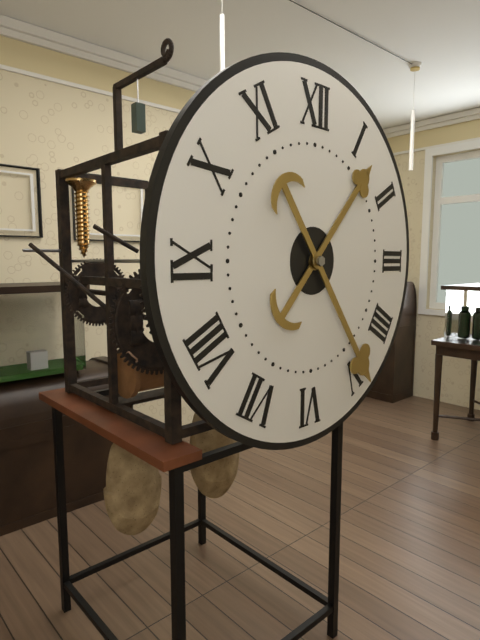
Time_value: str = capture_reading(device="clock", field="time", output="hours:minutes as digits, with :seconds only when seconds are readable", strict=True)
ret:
1:24
